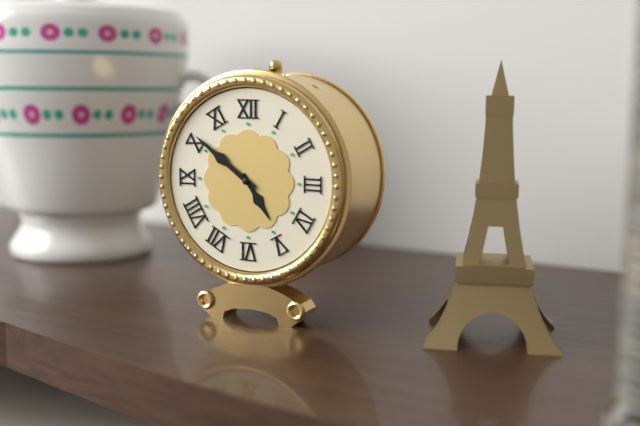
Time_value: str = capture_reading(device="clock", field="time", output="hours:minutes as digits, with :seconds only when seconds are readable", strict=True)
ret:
4:51
